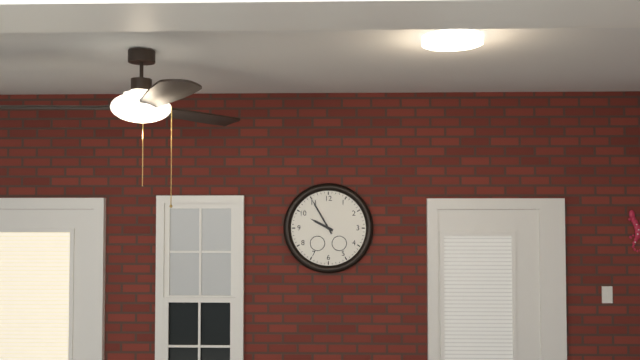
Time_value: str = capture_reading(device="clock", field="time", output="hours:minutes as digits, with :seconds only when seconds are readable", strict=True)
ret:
9:55
